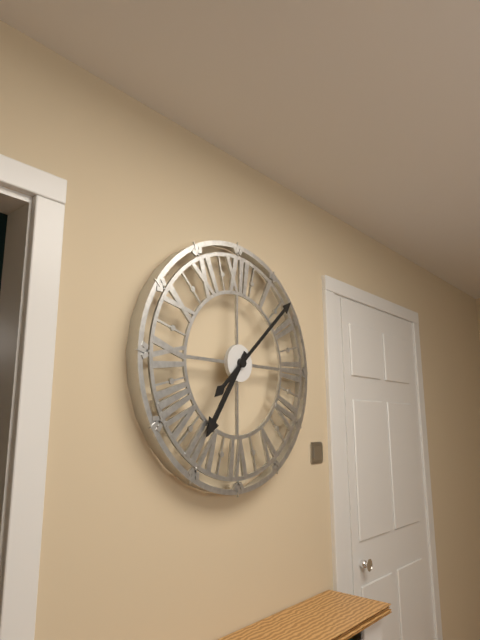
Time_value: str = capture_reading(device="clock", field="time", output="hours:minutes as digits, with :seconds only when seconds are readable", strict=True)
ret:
7:08
